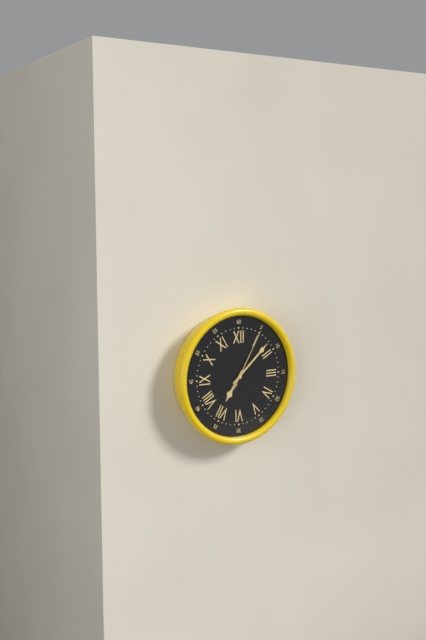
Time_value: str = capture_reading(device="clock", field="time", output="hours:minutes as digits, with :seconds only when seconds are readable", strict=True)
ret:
7:08:05
